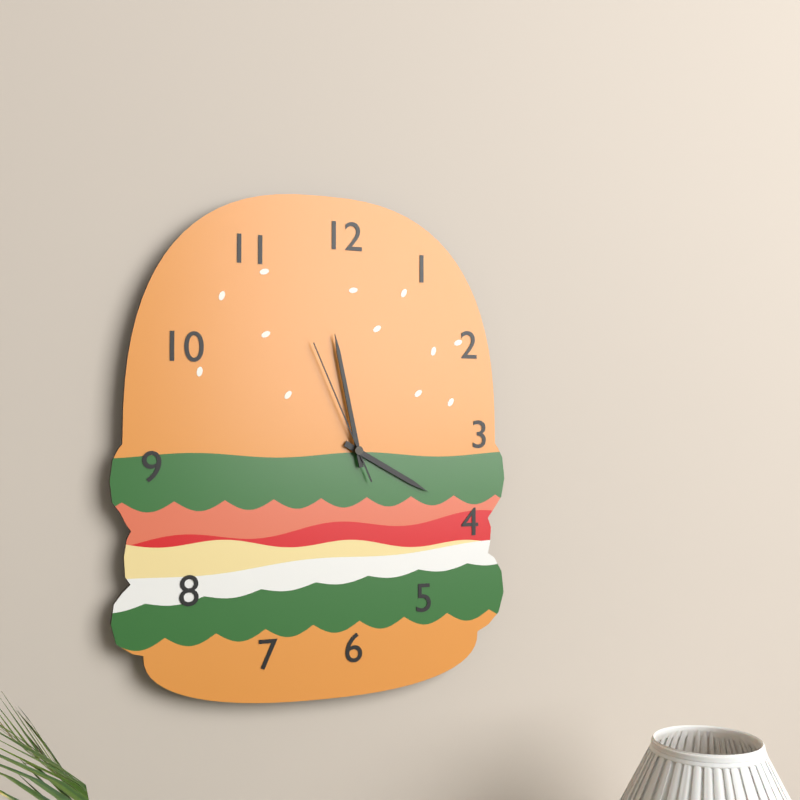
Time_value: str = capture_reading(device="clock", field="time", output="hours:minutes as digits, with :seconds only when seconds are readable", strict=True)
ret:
3:58:56
